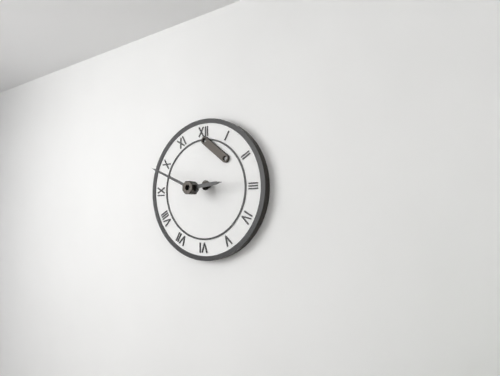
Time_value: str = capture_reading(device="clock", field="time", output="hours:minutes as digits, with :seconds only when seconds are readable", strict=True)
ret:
2:49
